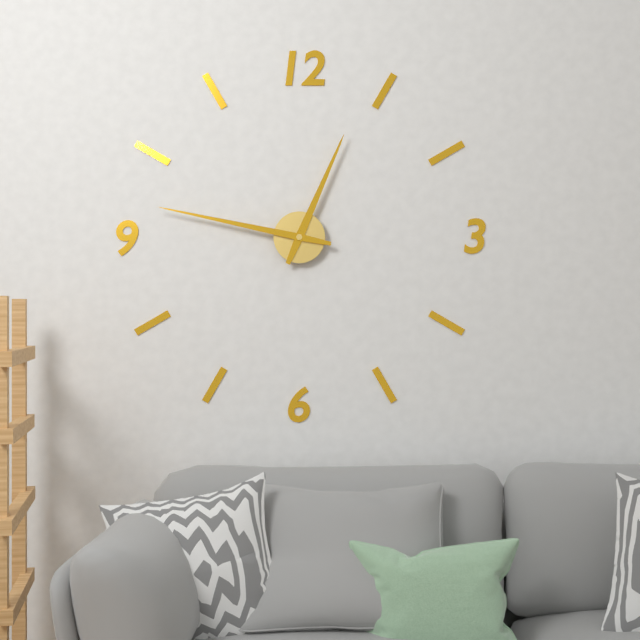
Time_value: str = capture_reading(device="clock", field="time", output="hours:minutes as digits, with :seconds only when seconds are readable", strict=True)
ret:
12:47
